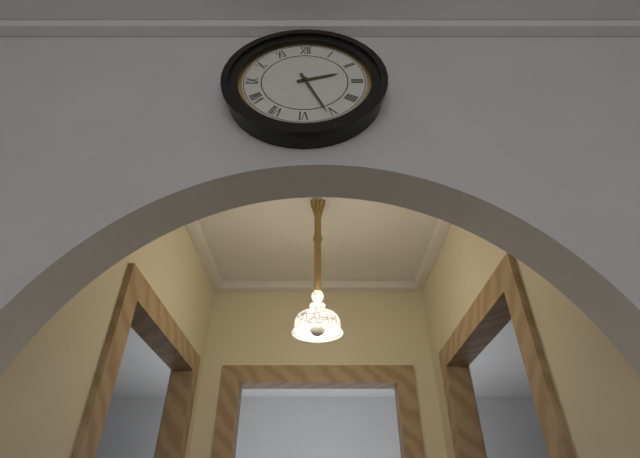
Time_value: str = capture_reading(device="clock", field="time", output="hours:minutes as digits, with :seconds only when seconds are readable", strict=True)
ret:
2:26
